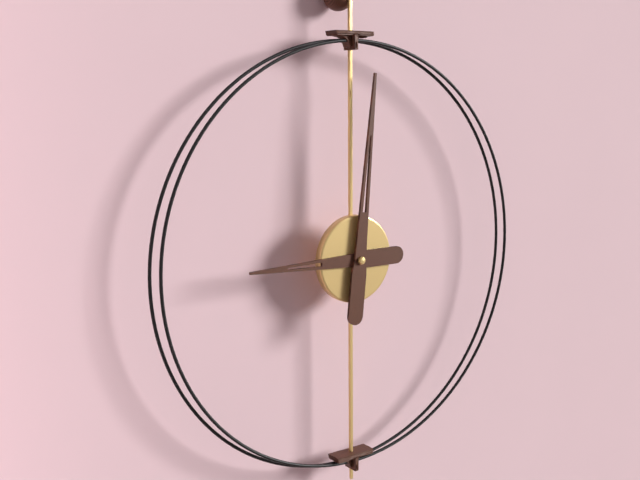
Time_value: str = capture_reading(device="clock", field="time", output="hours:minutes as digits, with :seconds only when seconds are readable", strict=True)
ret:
9:01
